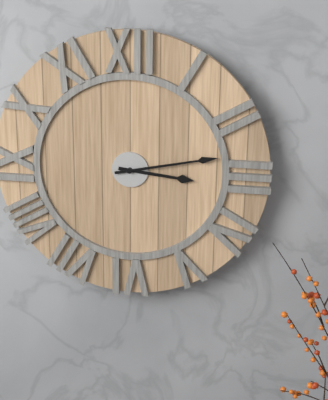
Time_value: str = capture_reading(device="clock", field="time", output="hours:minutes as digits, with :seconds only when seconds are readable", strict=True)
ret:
3:13
